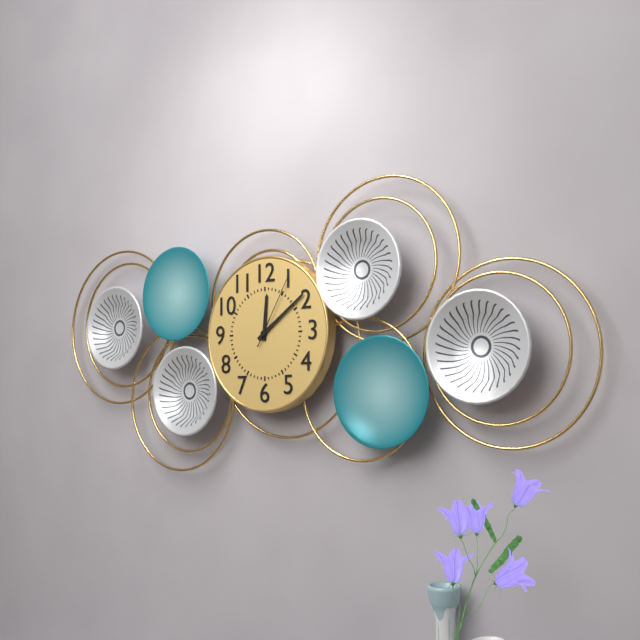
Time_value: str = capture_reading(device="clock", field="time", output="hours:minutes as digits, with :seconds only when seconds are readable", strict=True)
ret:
12:09:05
